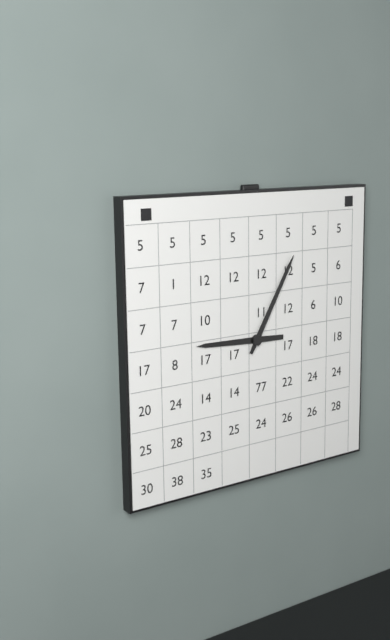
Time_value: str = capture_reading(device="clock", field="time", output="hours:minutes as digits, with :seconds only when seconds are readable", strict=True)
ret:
9:05
